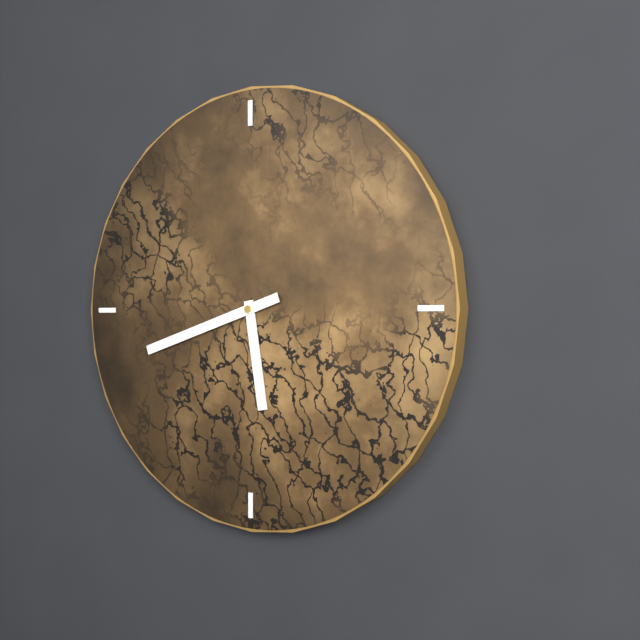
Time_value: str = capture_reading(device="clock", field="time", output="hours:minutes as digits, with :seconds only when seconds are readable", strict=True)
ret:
5:42
